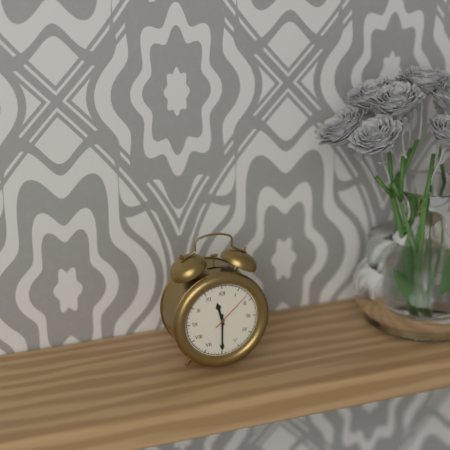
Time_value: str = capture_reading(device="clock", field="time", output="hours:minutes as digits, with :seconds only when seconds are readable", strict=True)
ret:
11:30
